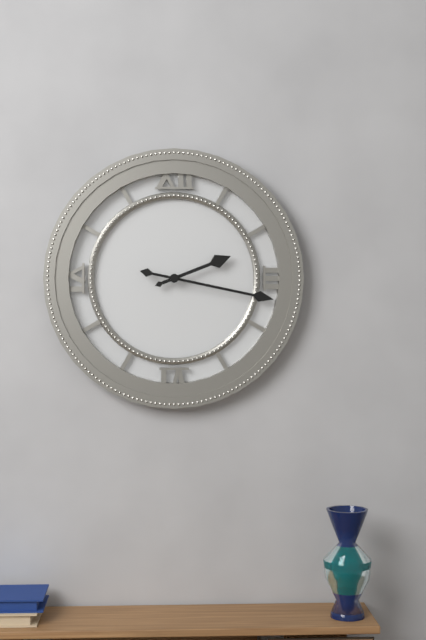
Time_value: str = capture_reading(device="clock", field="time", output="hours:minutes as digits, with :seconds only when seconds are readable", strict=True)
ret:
2:17
